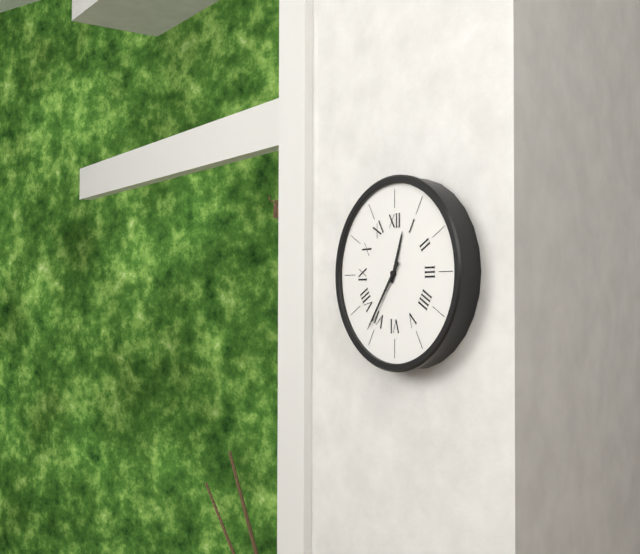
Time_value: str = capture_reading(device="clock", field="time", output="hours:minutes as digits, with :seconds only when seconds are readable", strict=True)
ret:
12:36
